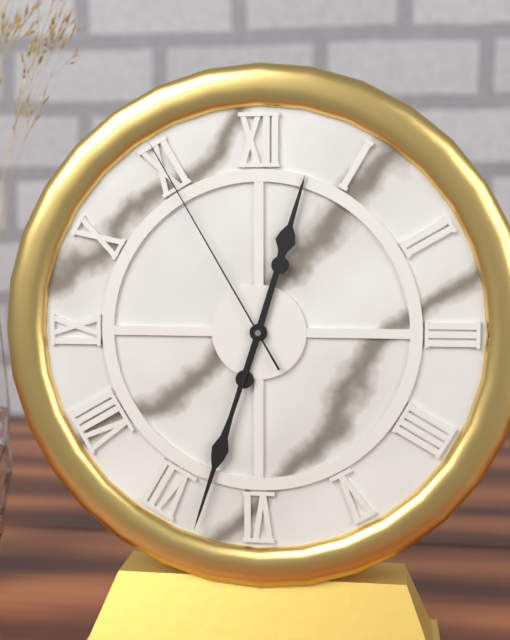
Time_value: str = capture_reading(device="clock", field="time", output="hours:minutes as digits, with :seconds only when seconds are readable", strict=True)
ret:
12:33:55
